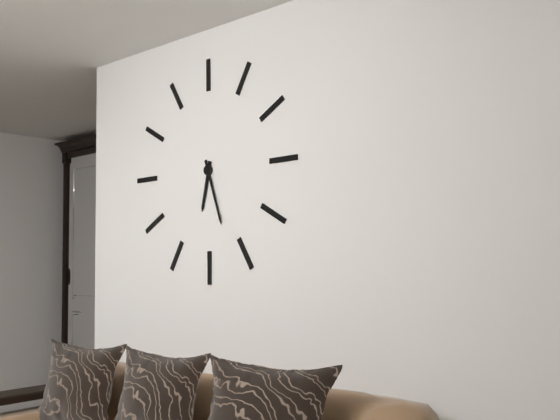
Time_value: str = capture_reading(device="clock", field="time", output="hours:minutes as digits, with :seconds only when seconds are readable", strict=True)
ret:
6:27
